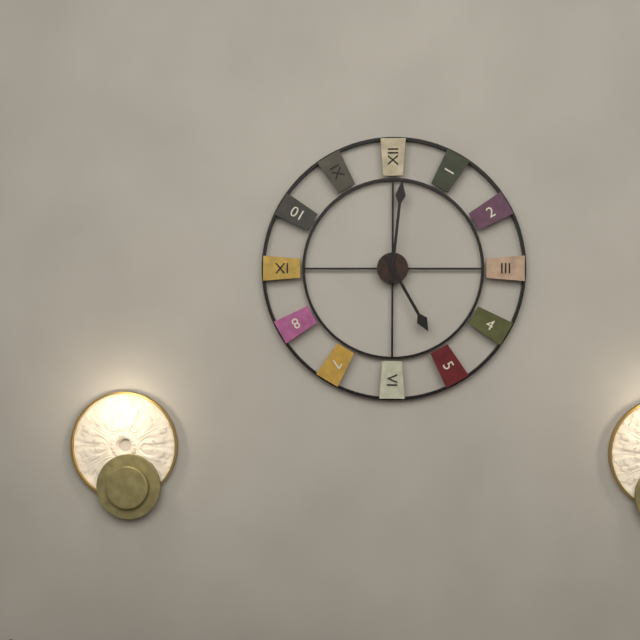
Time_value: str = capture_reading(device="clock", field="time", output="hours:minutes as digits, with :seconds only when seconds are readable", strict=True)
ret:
5:01
